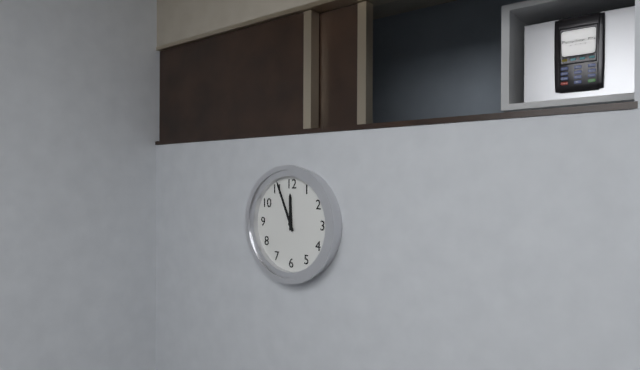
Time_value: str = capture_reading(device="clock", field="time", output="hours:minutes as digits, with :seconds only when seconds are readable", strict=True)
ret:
11:56
